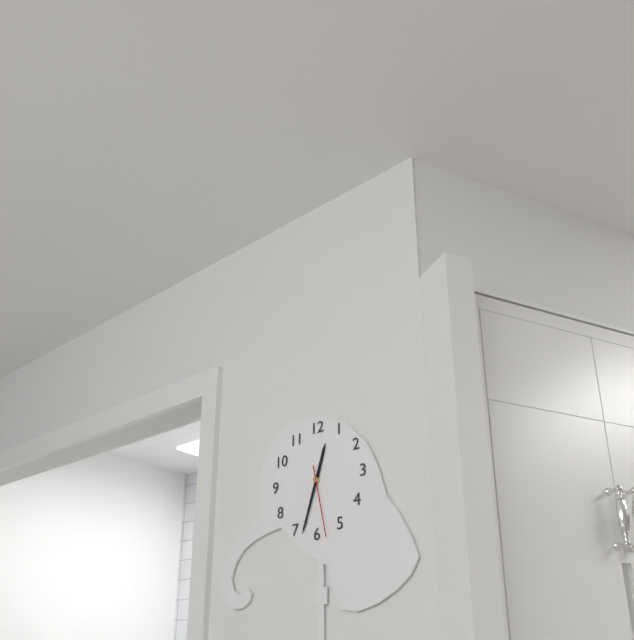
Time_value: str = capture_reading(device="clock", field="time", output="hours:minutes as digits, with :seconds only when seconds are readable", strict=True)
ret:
12:33:28
